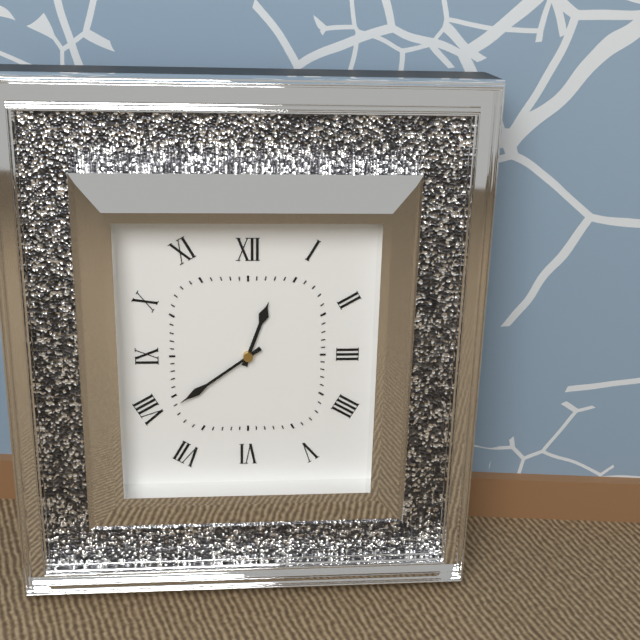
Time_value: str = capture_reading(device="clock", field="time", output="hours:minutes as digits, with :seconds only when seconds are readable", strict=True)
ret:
12:39
